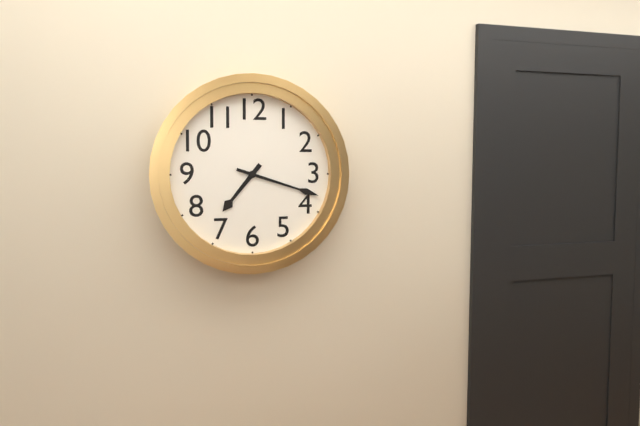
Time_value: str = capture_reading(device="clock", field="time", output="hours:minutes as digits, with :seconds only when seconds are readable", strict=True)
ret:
7:18
